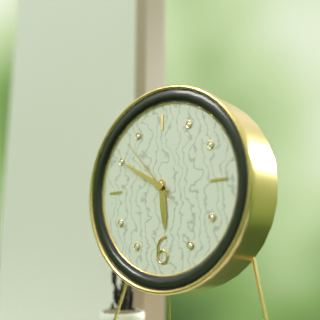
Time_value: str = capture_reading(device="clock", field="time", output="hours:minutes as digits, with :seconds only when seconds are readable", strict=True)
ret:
5:50:53
